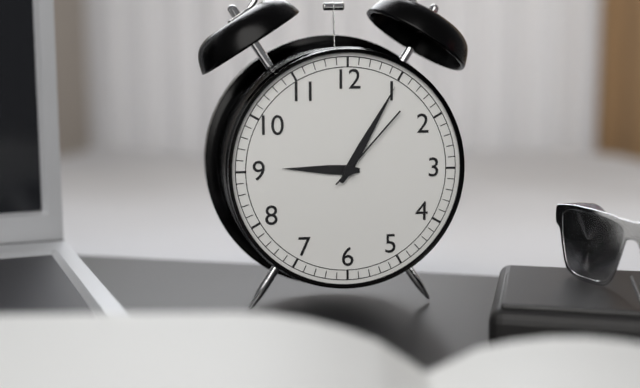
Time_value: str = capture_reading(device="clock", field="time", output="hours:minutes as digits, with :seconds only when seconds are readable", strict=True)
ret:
9:05:07
